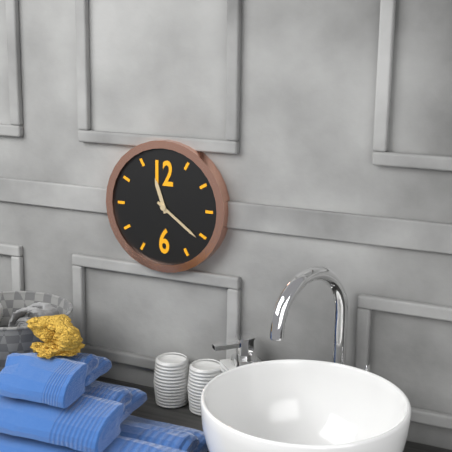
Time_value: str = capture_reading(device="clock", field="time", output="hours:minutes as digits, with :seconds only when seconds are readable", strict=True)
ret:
11:21
